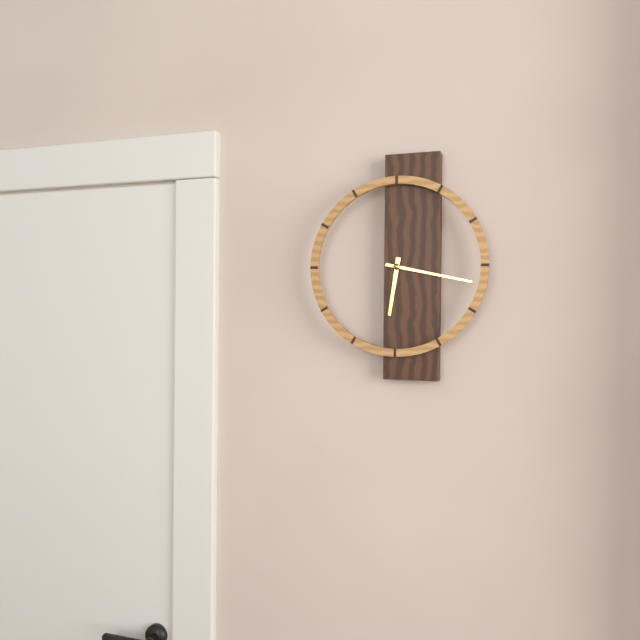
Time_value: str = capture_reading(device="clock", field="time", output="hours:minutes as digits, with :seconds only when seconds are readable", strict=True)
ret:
6:17
